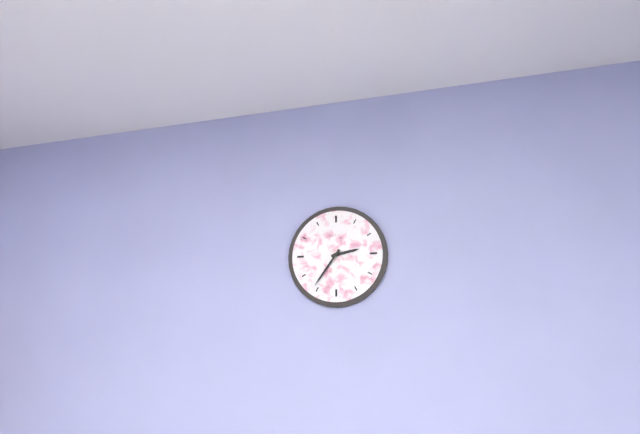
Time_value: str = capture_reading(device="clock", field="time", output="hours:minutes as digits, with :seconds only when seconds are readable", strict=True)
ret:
2:36
